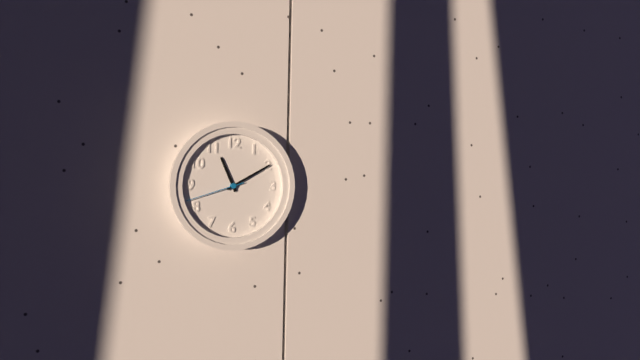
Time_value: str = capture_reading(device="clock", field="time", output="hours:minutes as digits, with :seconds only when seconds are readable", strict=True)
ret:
11:10:42
